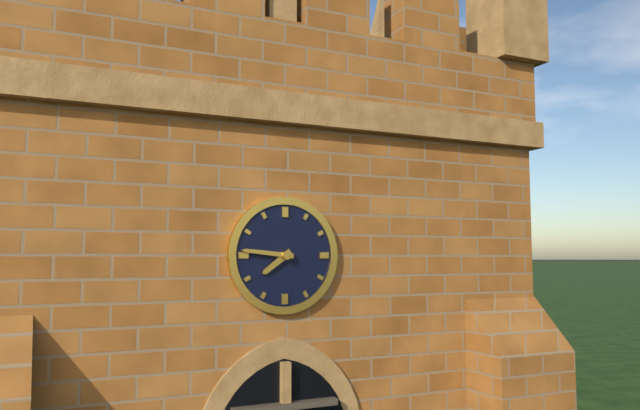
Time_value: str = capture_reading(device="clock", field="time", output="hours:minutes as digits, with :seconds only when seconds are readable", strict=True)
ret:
7:46
